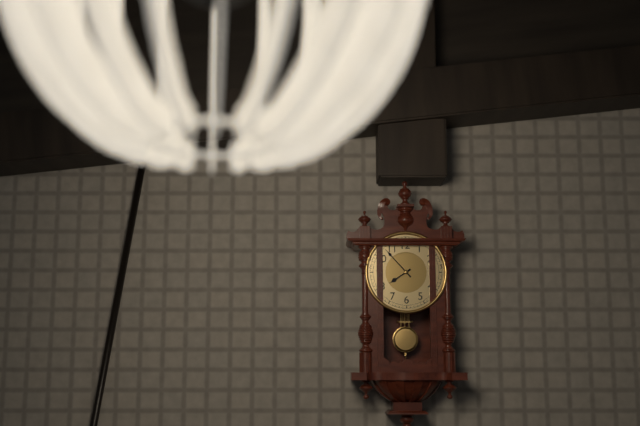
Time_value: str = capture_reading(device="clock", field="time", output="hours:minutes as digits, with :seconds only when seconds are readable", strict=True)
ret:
7:53
